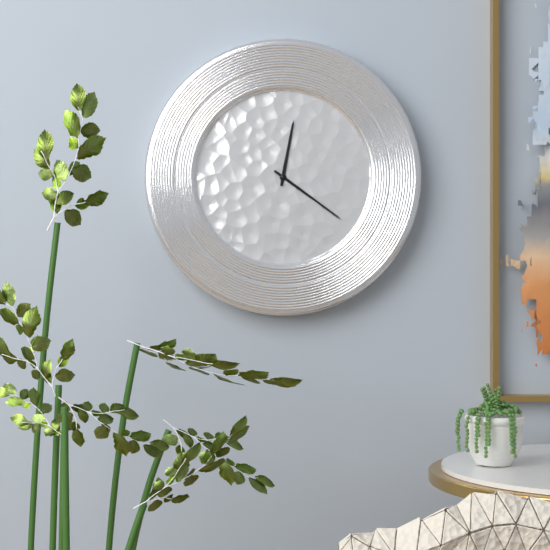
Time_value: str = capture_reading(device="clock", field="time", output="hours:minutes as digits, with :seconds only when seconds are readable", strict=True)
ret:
12:21
